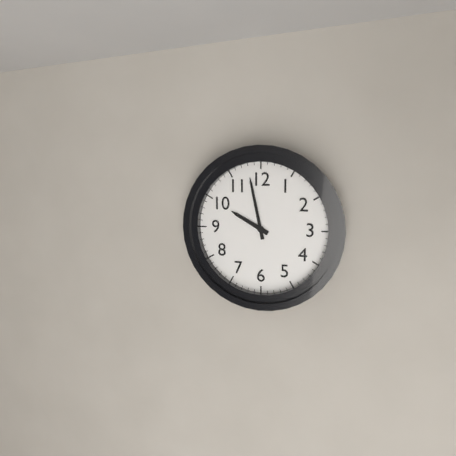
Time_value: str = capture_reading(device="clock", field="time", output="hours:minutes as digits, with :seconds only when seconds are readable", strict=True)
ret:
9:58
